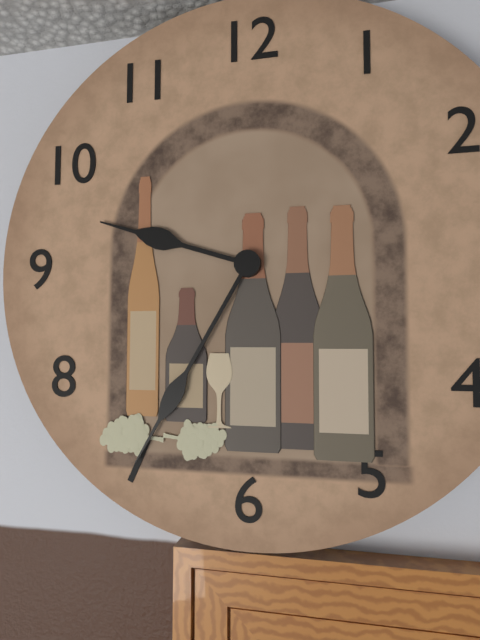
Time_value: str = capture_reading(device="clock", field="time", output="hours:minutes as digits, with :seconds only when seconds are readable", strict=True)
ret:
9:35
